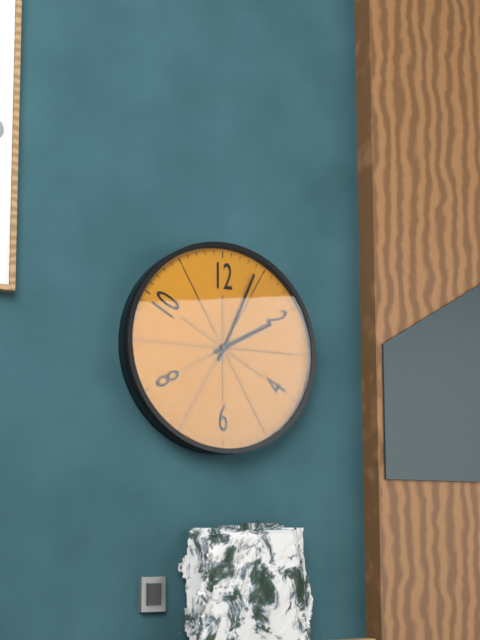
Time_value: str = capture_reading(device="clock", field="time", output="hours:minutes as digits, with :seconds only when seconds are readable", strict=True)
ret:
2:04
